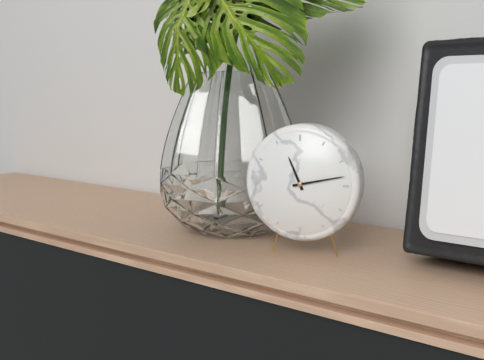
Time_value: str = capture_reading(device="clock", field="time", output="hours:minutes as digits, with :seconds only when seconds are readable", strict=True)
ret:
11:13
